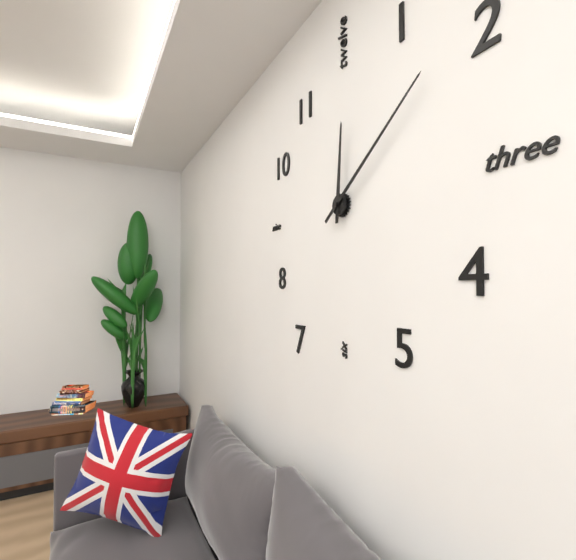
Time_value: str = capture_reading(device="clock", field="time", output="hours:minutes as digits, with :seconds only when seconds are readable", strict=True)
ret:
12:09
